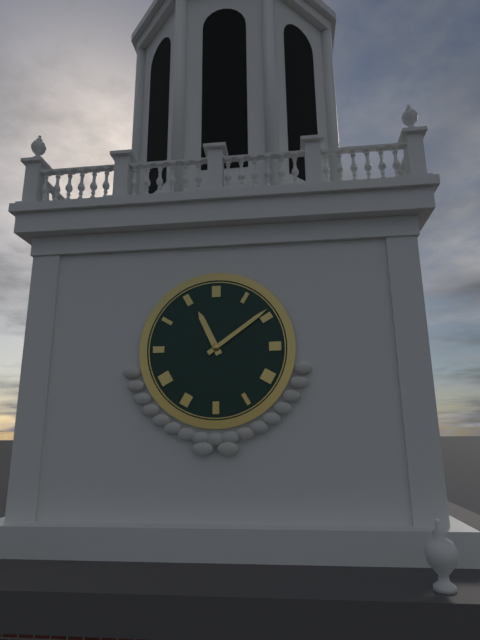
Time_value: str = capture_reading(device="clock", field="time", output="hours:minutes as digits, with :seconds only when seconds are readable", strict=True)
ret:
11:09
